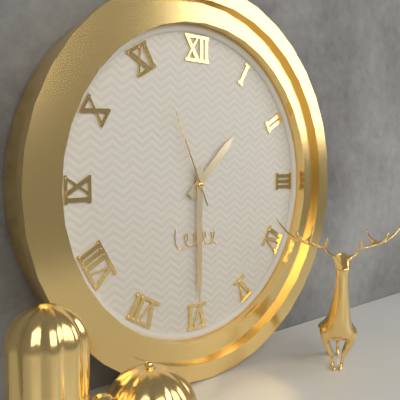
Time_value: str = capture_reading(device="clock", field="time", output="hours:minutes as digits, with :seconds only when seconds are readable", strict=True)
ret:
1:30:56
